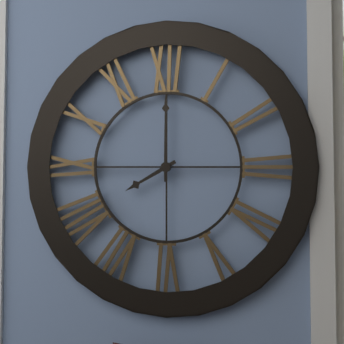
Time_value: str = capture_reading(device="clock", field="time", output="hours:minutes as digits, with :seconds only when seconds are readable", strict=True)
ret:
8:00
